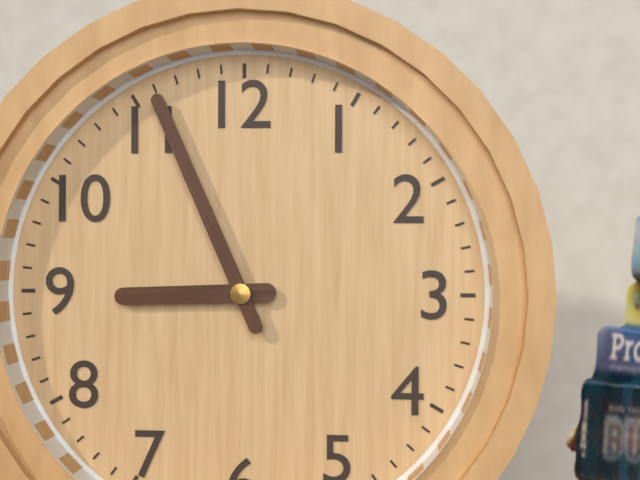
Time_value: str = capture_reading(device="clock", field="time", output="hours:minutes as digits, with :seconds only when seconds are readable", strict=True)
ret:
8:56
